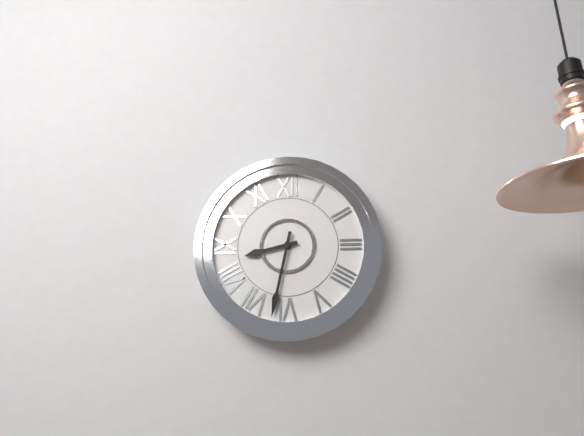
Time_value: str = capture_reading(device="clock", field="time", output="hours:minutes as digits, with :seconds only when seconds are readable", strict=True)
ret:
8:32
